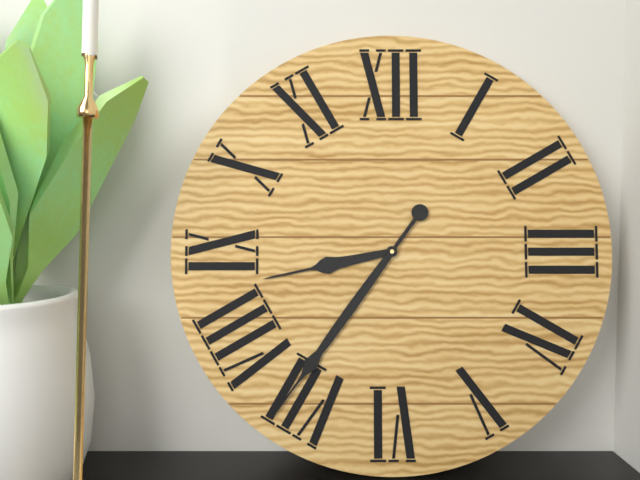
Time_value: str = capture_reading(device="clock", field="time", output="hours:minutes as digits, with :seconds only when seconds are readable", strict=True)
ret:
8:36
